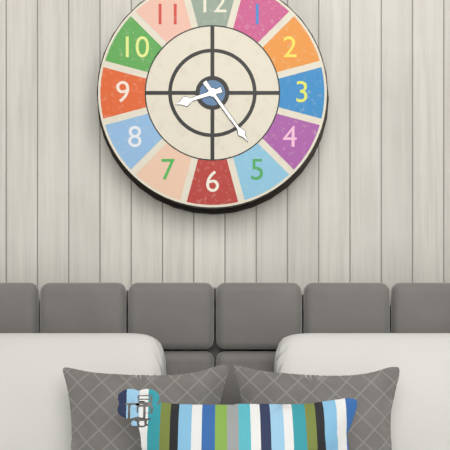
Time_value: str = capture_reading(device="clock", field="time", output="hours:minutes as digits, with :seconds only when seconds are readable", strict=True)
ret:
8:24
